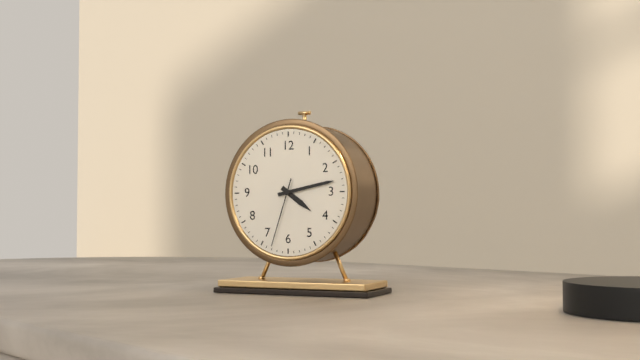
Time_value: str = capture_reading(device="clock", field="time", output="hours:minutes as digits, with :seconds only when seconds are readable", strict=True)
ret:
4:13:33
